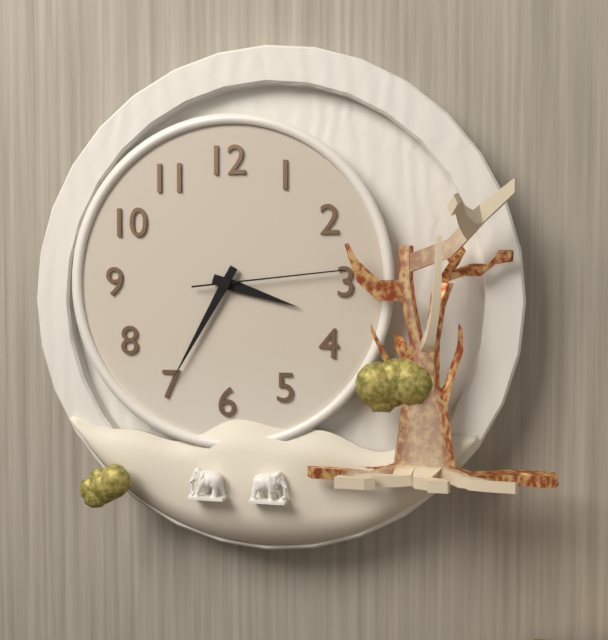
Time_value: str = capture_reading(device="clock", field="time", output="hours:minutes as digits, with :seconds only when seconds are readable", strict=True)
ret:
3:35:14
